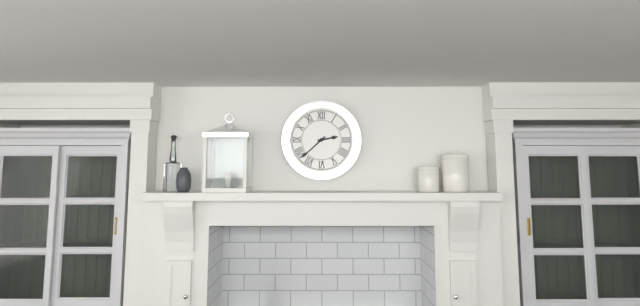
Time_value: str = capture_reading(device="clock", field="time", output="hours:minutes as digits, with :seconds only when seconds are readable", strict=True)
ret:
2:38
